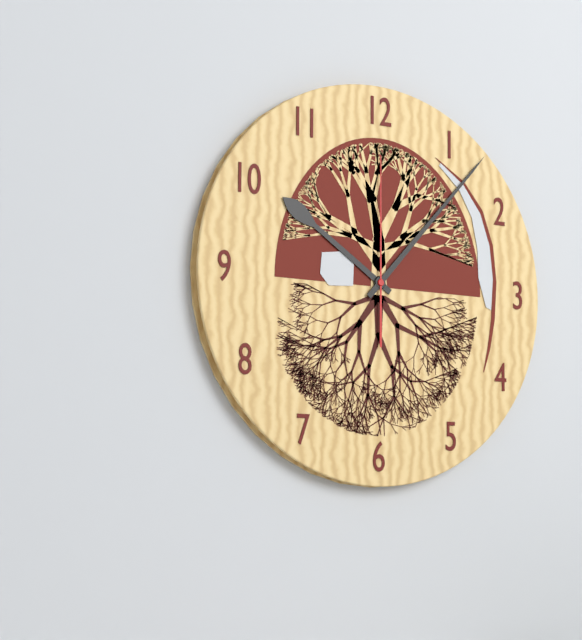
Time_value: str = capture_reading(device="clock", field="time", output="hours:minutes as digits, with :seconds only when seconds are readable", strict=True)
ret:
10:07:00
